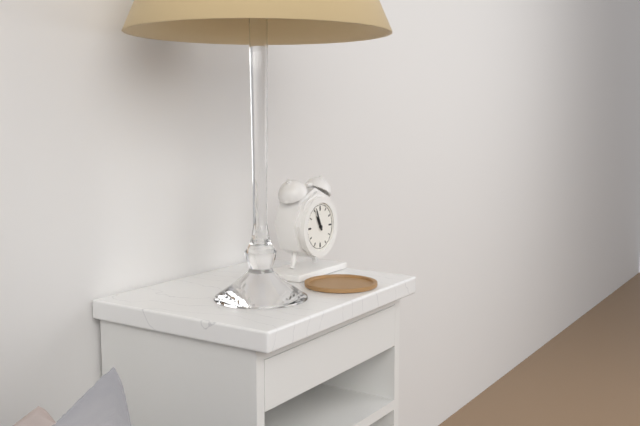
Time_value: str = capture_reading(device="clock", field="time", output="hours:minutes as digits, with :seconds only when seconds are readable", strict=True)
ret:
10:56
